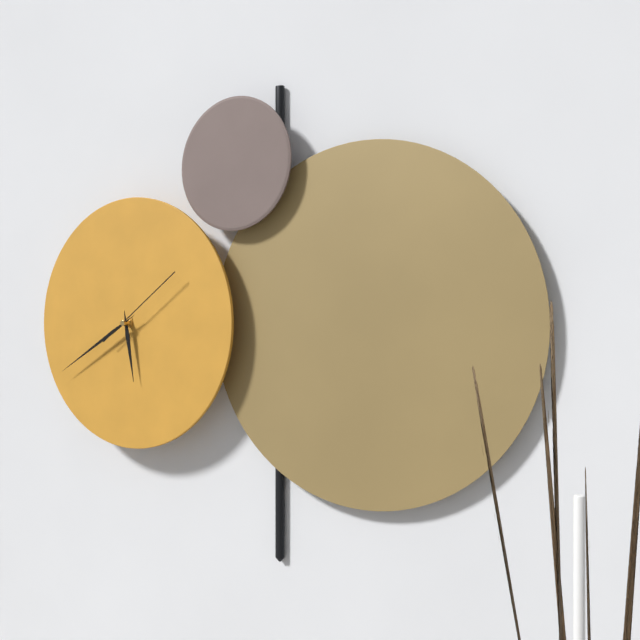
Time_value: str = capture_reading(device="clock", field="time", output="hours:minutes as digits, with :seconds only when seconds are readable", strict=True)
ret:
5:40:09
